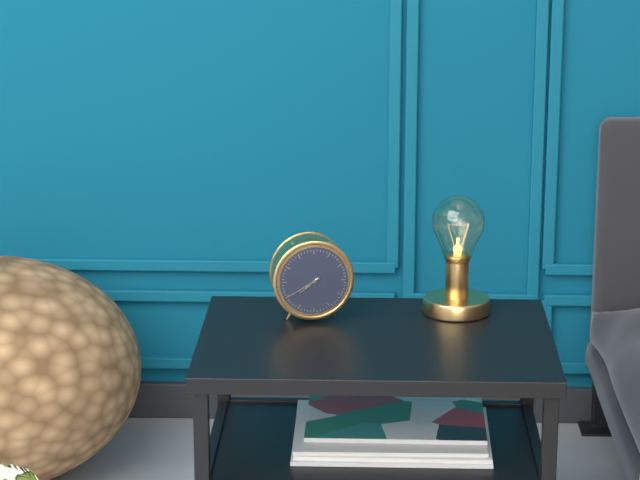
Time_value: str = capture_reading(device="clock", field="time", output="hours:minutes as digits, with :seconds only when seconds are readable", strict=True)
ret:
7:40
